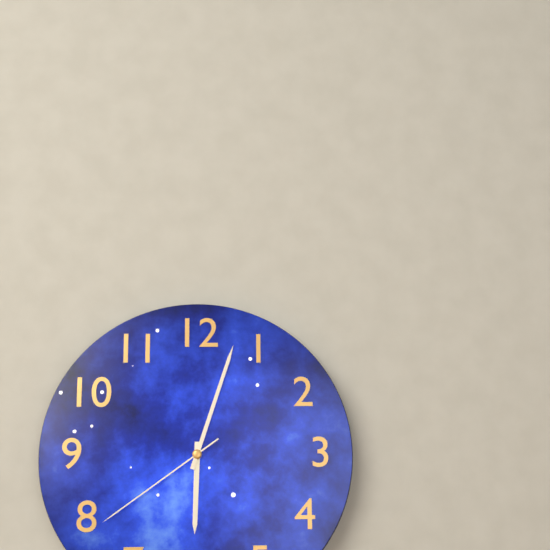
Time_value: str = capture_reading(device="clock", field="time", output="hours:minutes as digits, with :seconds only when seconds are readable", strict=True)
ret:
6:03:39
